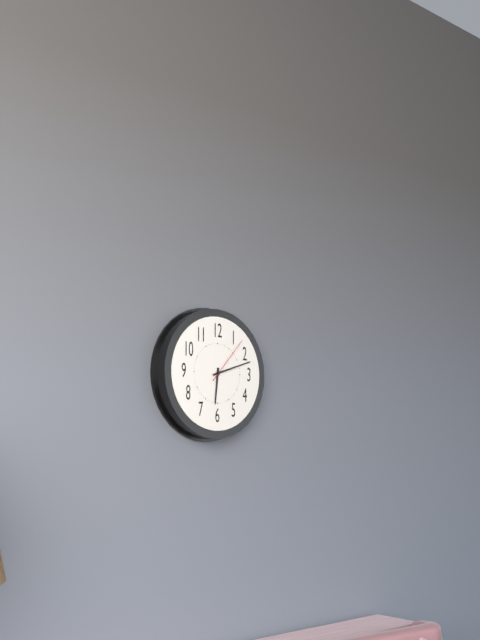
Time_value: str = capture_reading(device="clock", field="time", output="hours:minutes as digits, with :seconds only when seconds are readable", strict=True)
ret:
6:12:07
